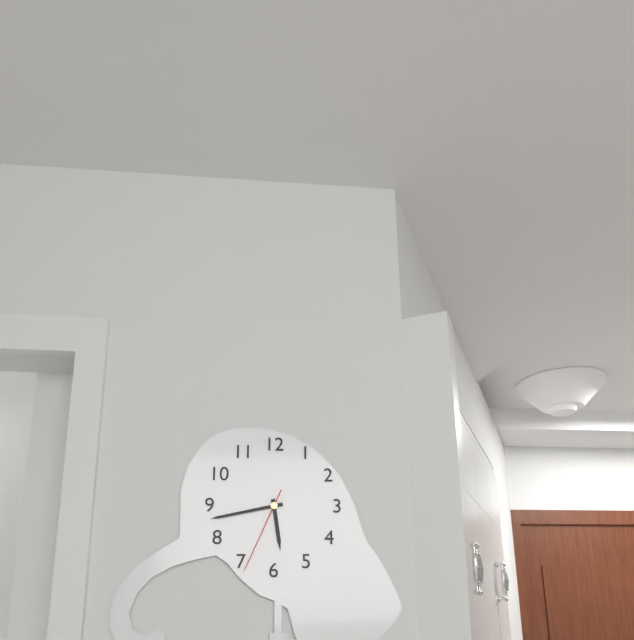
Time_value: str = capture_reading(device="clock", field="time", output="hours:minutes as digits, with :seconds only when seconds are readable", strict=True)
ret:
5:43:34
